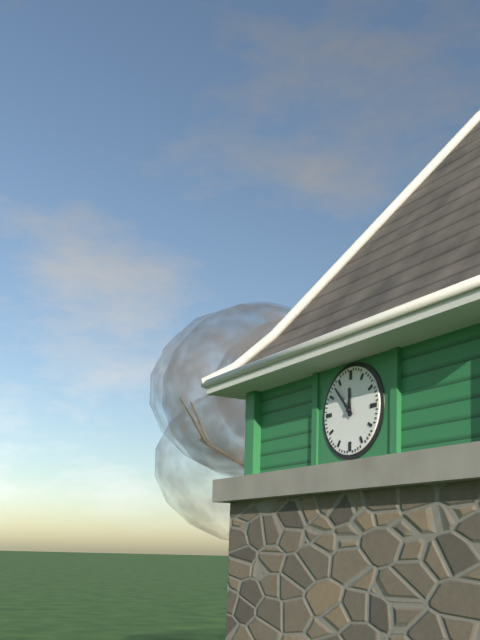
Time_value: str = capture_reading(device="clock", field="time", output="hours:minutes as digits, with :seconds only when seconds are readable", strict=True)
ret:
11:53
